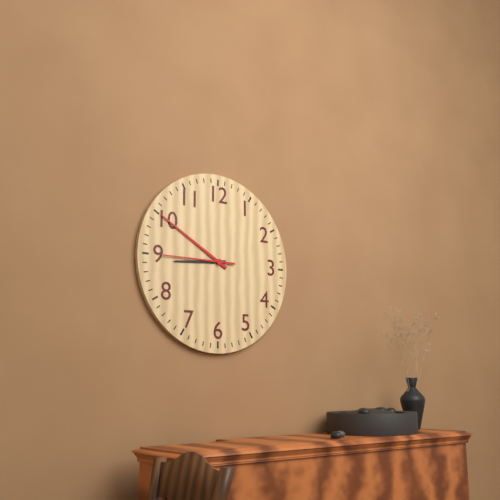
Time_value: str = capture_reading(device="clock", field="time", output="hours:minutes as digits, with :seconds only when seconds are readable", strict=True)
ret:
8:50:45
